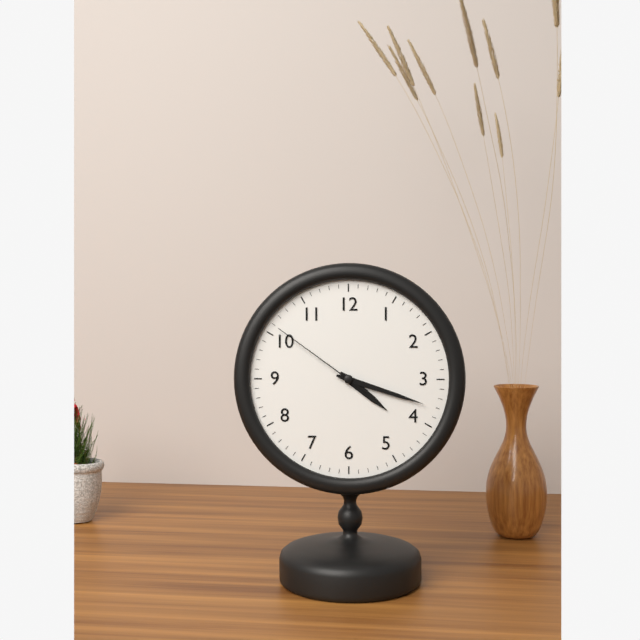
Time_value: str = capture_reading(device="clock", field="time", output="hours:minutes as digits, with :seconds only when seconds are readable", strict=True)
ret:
4:18:51
